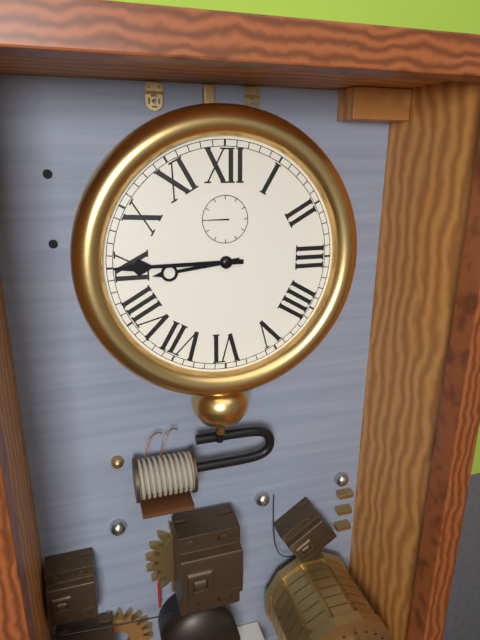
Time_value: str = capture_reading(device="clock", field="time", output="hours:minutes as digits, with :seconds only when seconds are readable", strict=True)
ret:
8:45
